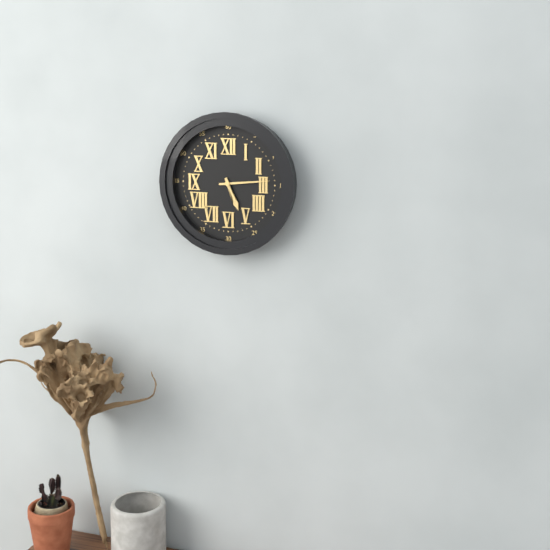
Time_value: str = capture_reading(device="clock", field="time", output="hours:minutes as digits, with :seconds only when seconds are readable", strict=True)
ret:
5:14
